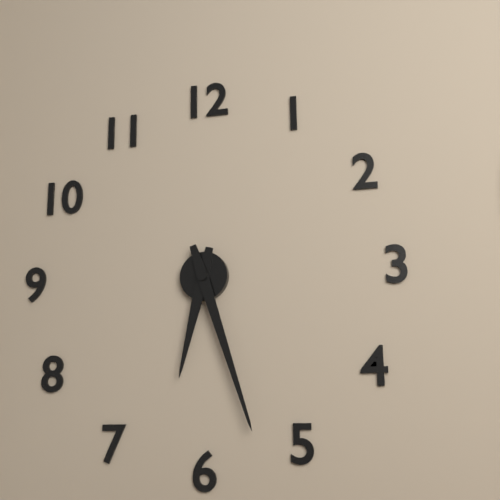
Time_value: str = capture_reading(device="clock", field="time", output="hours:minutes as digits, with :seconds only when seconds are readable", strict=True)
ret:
6:27
